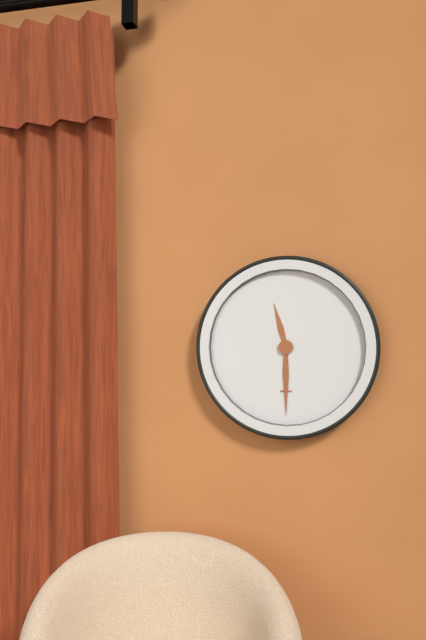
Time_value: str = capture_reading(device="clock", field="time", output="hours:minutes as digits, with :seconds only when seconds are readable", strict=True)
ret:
11:30
